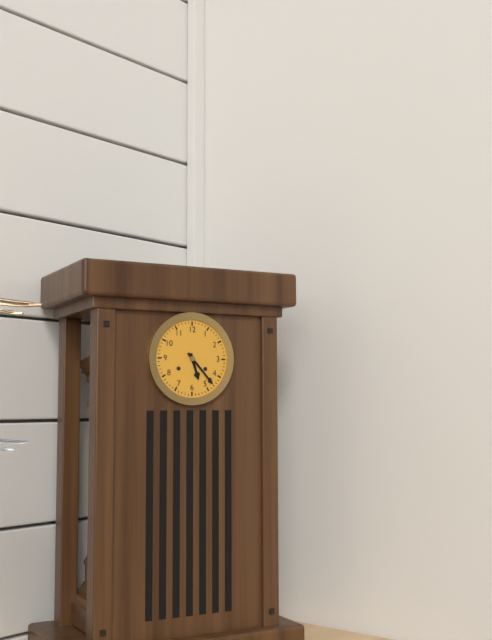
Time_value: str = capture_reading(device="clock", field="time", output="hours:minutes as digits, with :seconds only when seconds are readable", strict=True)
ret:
5:23
